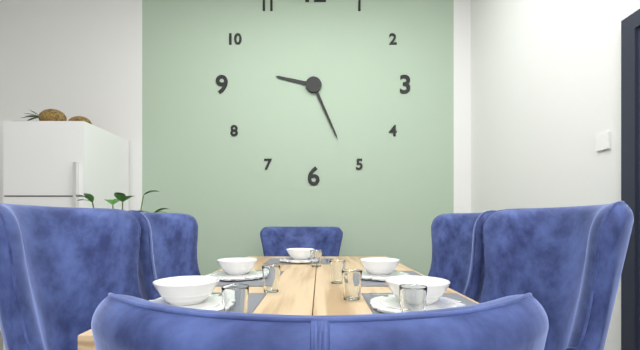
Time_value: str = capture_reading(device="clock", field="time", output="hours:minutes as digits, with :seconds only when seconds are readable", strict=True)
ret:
9:26
